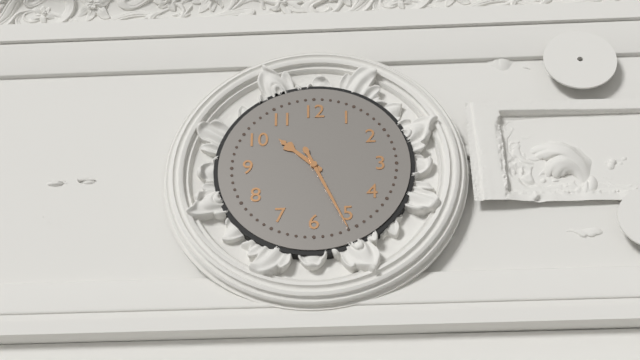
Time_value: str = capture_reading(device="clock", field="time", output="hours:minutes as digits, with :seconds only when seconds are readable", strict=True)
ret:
10:26
